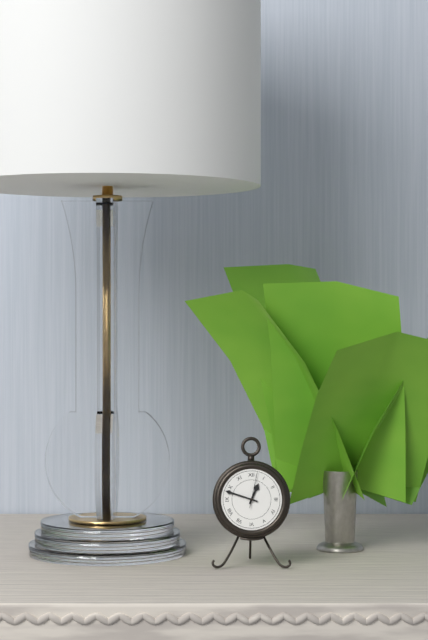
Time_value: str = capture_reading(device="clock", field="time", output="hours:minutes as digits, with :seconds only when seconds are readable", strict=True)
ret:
12:48
